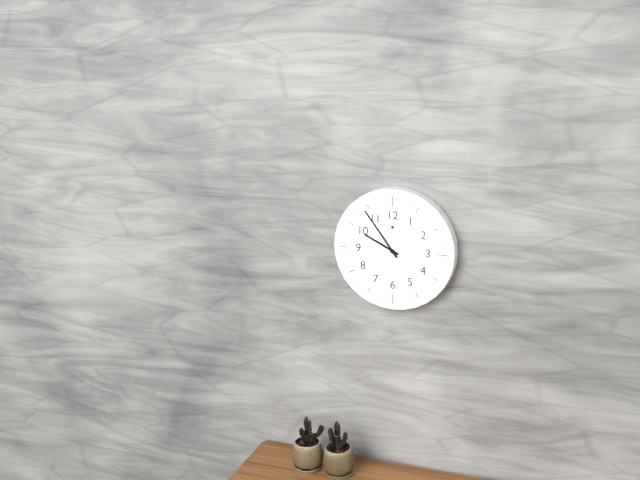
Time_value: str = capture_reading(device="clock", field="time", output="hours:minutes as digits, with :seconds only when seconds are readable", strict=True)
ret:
9:54
